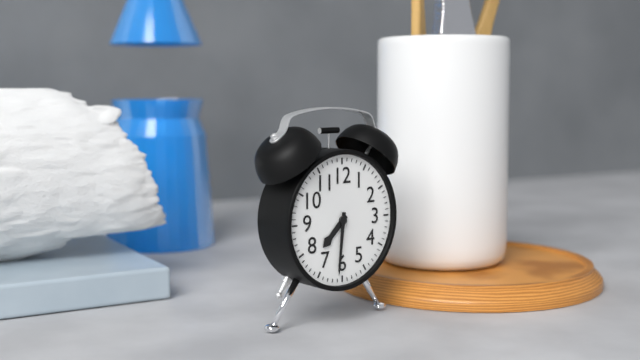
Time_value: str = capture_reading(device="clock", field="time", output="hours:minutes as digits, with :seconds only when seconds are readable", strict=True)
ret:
7:31
